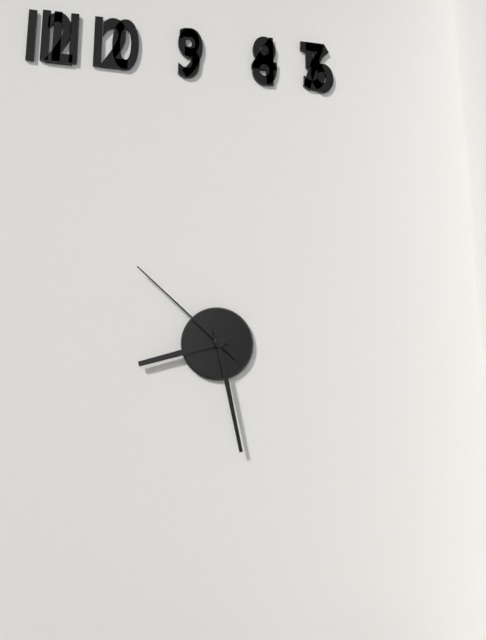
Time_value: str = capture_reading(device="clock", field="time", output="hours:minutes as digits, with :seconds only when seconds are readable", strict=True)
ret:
8:28:52
